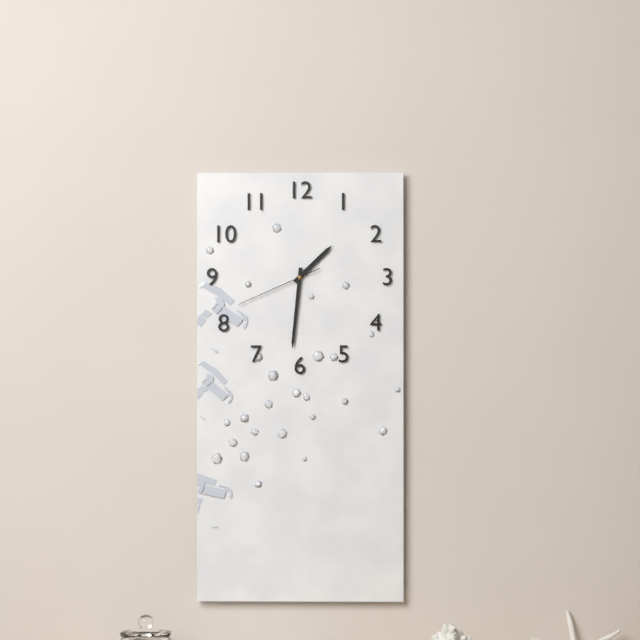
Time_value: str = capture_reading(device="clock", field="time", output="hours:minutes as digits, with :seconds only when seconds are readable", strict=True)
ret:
1:31:41
